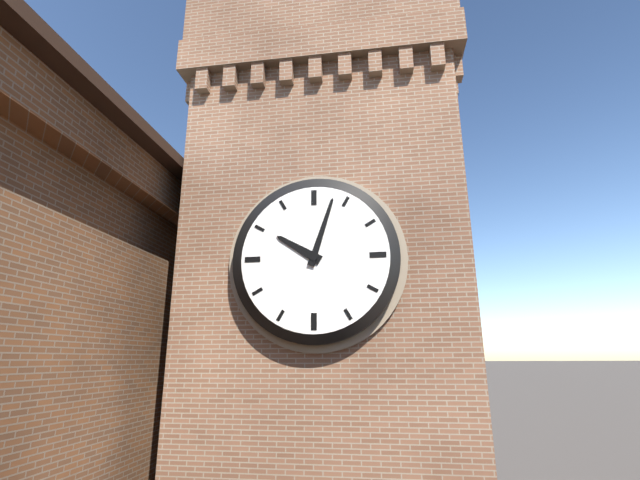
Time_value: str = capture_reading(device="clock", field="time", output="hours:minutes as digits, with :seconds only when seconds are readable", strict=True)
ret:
10:03
